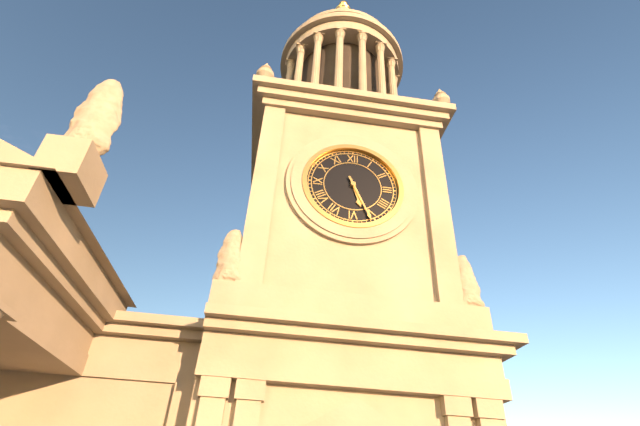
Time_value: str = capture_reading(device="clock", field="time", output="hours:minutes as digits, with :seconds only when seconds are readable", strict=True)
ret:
5:26
